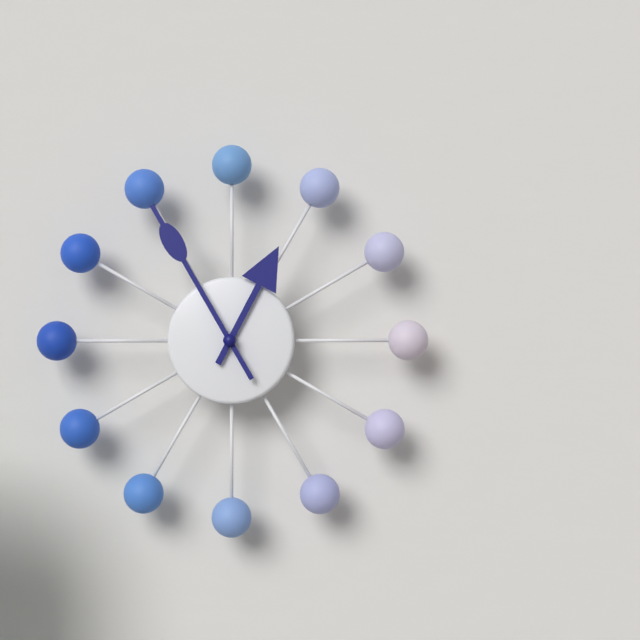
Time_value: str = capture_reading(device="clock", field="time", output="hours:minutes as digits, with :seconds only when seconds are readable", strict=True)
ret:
12:55
